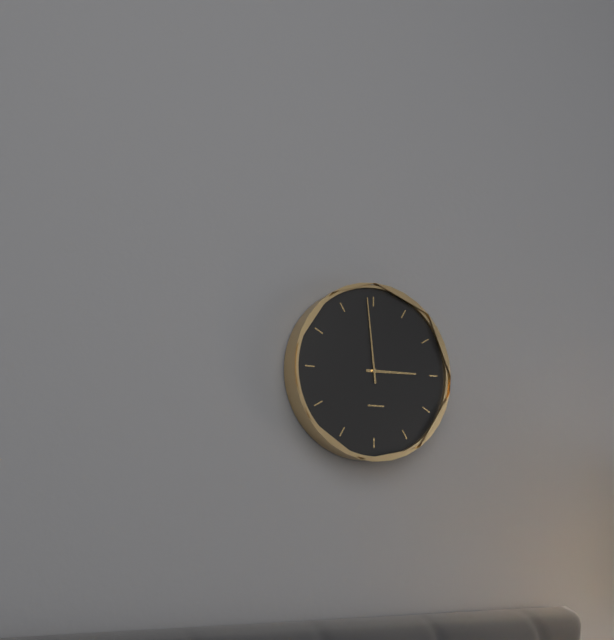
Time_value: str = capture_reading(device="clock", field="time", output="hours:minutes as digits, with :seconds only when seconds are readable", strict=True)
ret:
2:59
